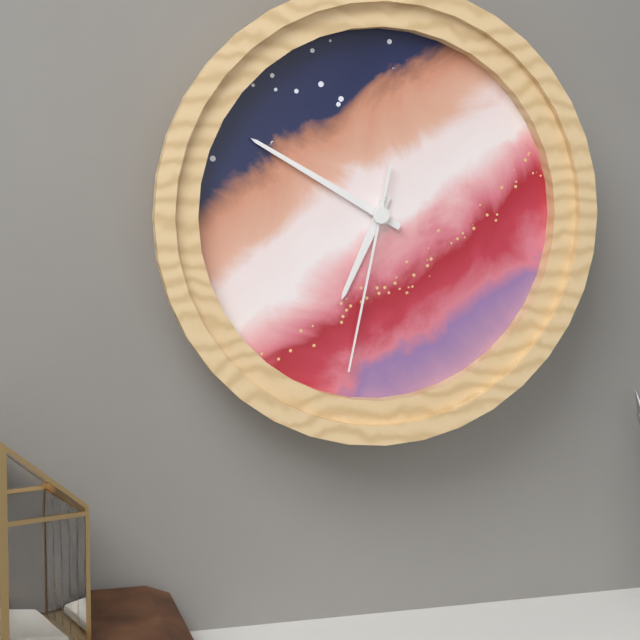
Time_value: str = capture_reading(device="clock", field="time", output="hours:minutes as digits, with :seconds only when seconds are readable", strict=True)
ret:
6:50:32
